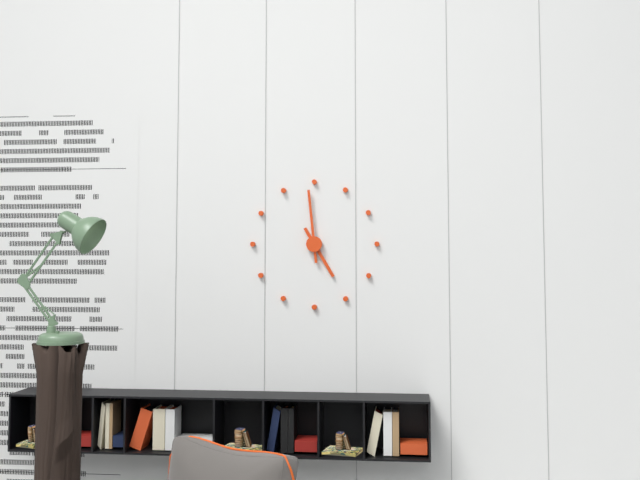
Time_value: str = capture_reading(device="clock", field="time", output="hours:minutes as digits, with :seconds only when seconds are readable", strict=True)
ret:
4:59
